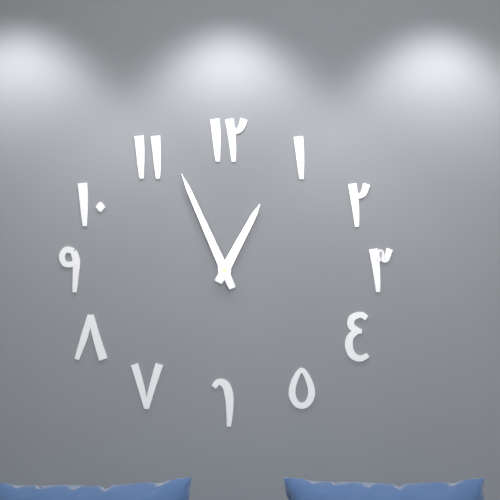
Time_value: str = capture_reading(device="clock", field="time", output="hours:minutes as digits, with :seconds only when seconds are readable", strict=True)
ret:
12:56
